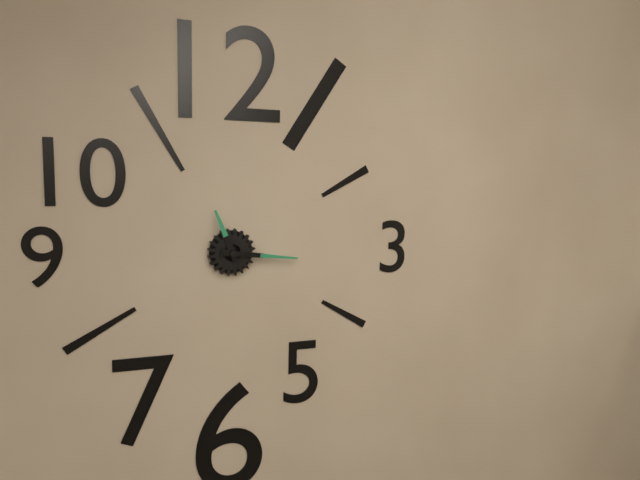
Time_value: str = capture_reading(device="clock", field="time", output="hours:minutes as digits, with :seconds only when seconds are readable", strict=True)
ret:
11:16
